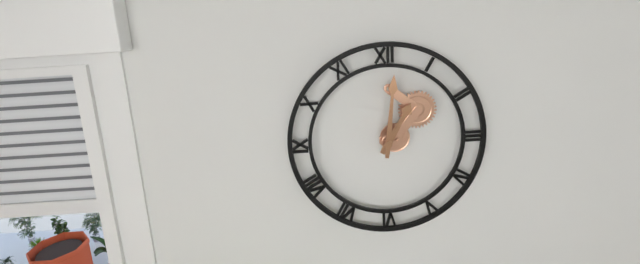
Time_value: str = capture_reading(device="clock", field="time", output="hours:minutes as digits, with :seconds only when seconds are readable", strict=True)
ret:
1:01
